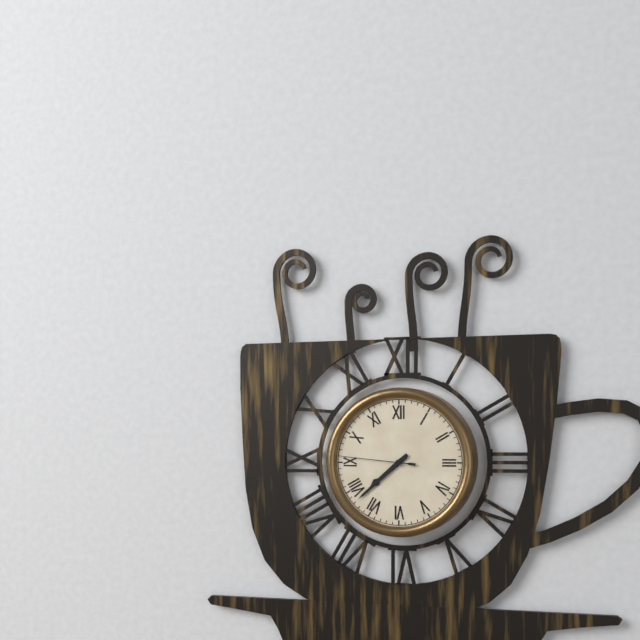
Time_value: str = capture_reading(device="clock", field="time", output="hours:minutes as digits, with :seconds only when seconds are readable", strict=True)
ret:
7:38:46
